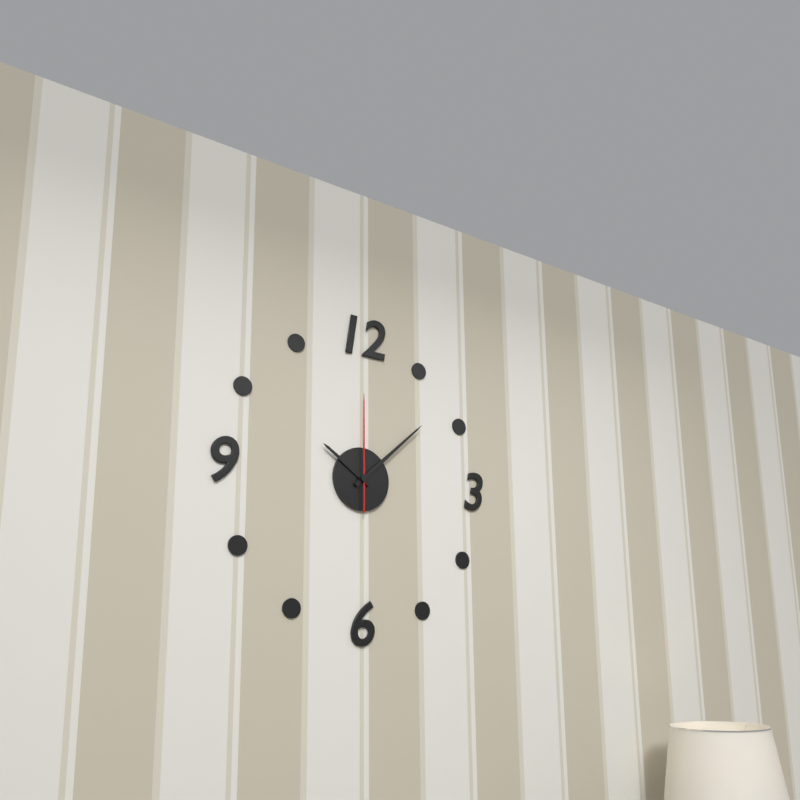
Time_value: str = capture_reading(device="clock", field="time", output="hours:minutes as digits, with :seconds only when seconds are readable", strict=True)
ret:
10:08:00
